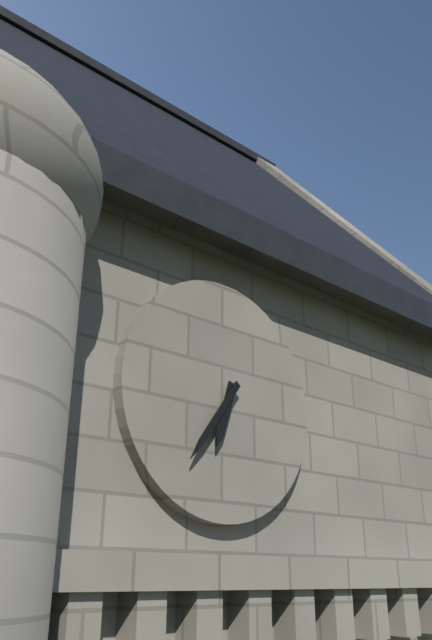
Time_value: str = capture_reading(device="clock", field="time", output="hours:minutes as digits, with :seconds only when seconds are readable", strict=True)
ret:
6:36
